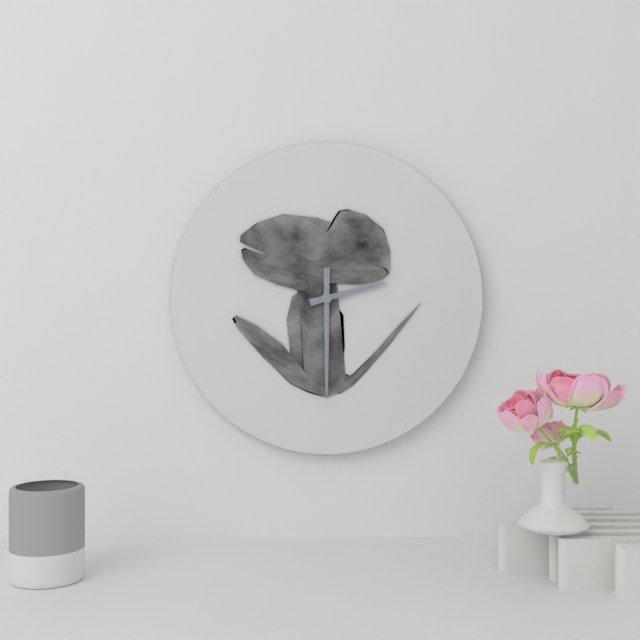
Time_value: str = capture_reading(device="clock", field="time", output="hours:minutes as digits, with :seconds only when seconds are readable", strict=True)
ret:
2:30
